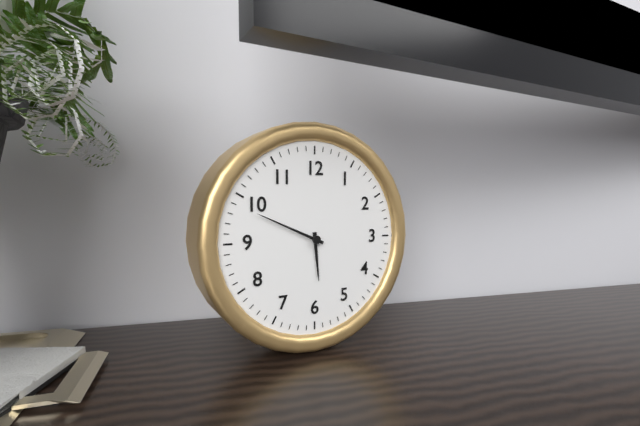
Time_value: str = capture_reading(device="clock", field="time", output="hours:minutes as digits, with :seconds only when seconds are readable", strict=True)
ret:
5:49
